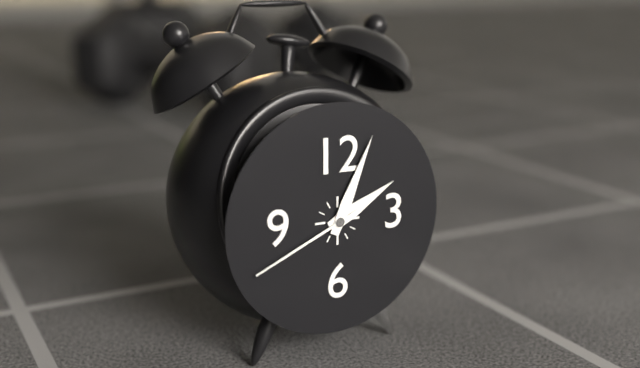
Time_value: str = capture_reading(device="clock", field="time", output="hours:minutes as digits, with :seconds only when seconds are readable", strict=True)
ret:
2:04:41
